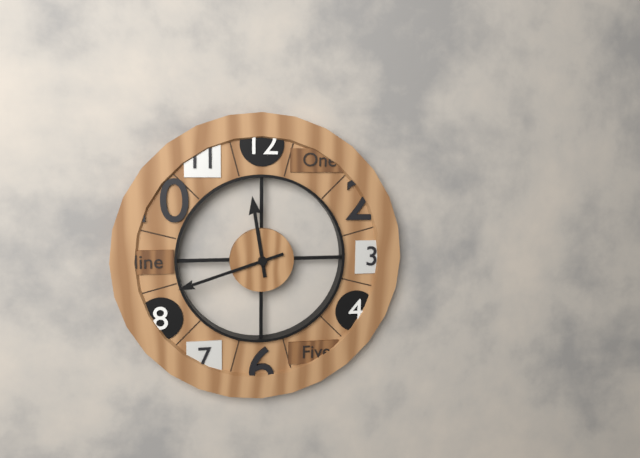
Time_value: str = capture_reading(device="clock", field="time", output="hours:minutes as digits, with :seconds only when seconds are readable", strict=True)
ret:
11:42
